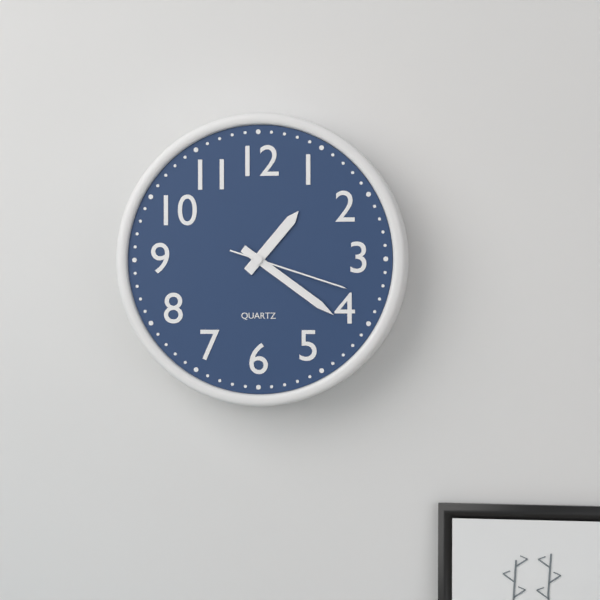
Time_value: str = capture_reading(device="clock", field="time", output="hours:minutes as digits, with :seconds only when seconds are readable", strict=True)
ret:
1:21:18
